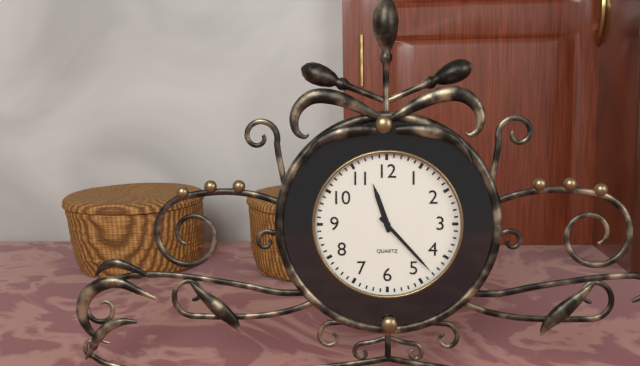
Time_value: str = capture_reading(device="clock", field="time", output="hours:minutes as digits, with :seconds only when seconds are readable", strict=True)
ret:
11:23
